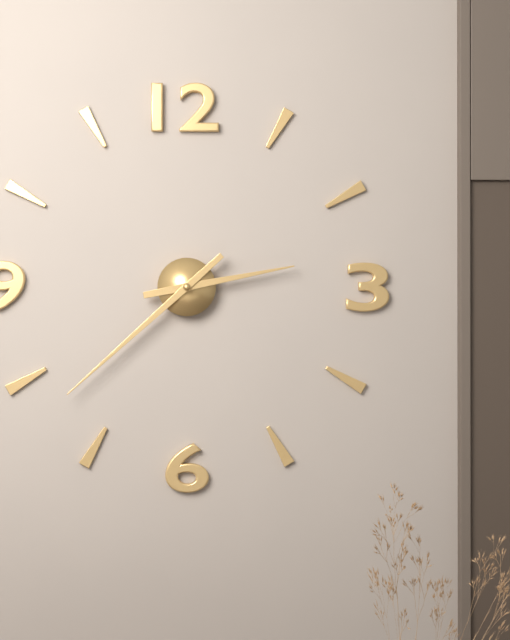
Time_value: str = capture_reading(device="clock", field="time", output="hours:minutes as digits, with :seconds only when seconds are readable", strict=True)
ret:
2:38
